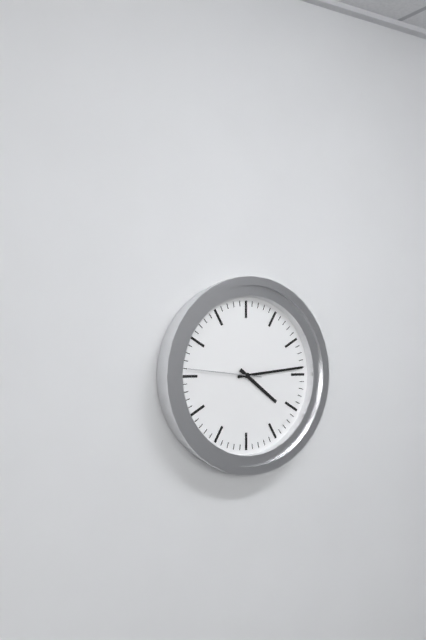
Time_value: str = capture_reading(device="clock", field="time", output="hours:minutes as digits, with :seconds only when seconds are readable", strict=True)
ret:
4:14:46
